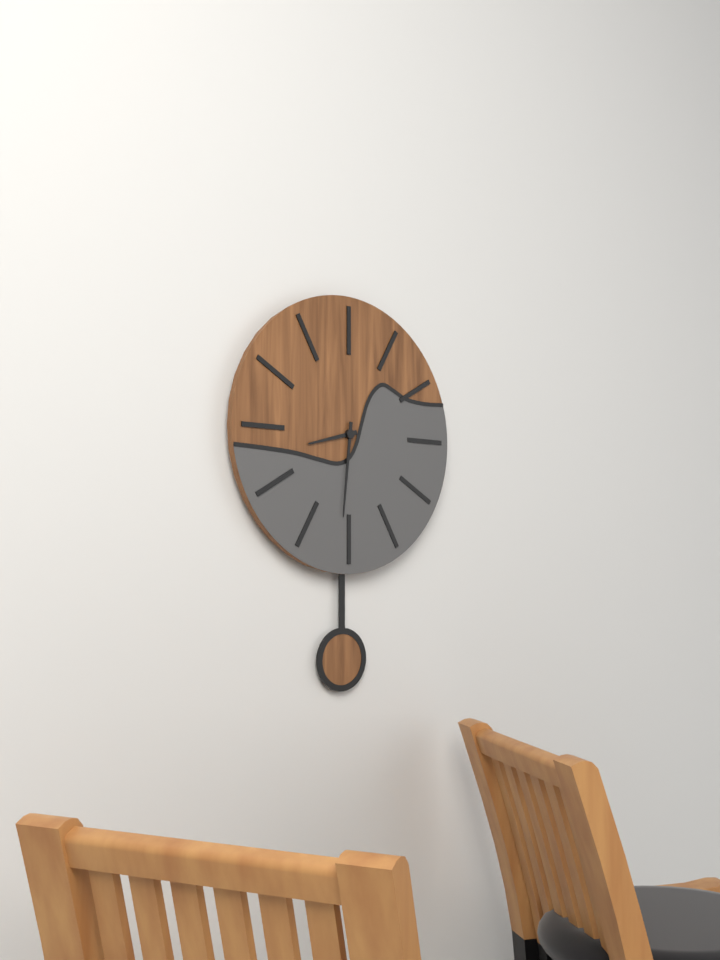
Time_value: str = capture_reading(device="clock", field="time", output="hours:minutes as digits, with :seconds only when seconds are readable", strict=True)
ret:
8:31
